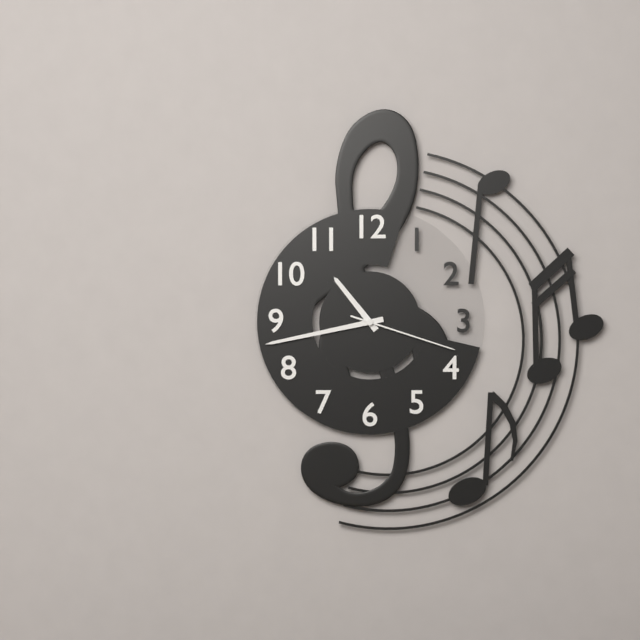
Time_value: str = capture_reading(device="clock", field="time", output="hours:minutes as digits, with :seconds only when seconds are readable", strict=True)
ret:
10:43:18
